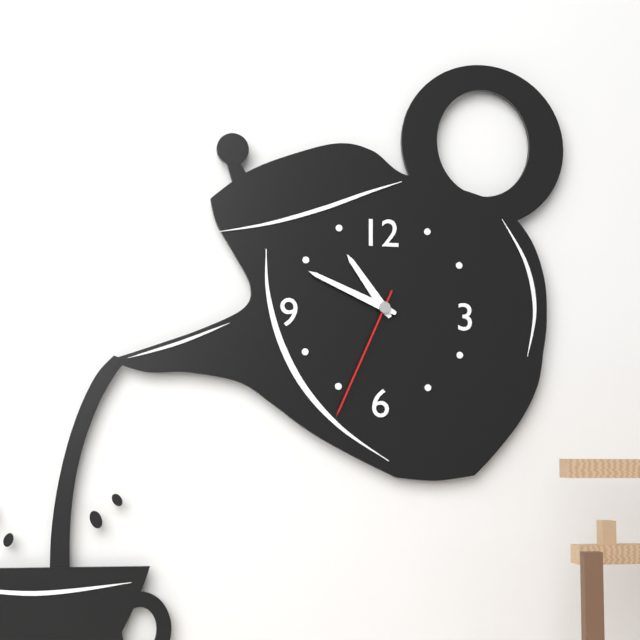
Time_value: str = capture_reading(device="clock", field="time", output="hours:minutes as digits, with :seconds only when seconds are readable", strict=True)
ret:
10:49:34
